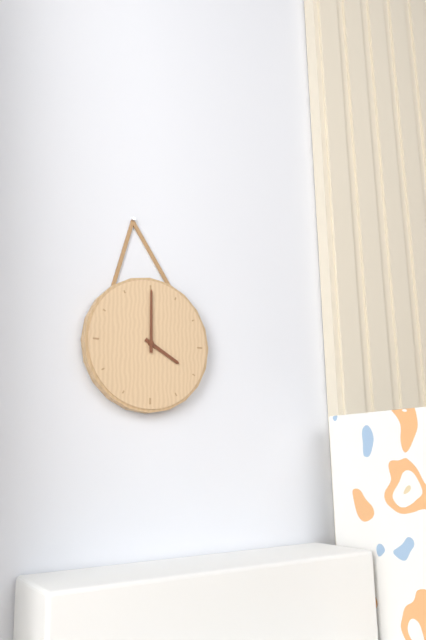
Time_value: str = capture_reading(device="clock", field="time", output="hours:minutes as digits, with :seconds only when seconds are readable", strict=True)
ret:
4:00
